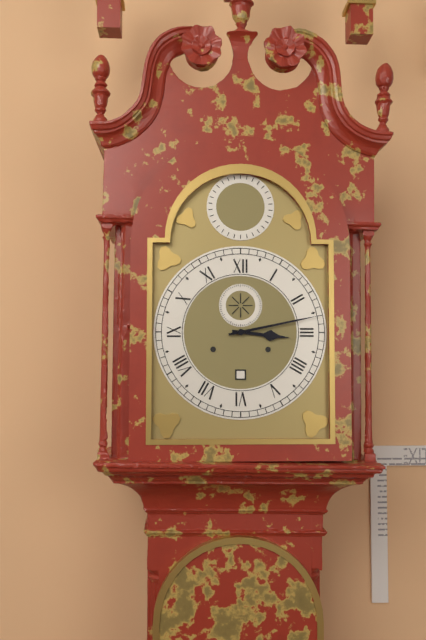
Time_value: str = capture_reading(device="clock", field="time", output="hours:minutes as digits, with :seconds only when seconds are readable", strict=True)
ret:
3:13
